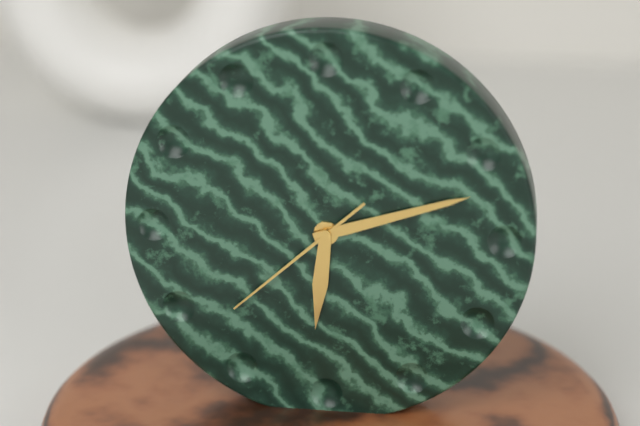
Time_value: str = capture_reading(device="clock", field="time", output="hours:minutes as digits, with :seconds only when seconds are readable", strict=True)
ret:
6:12:38
